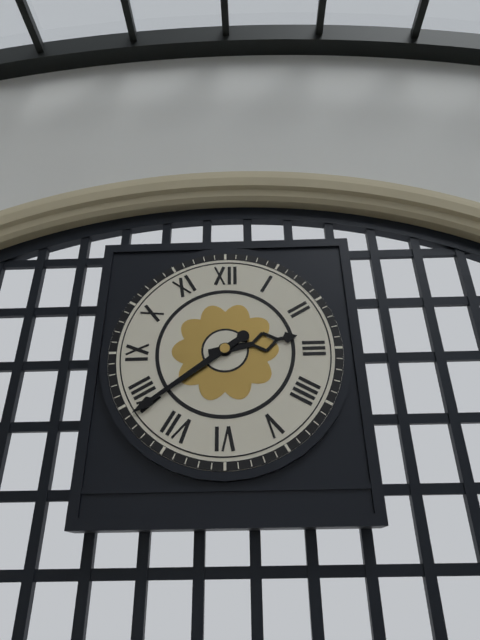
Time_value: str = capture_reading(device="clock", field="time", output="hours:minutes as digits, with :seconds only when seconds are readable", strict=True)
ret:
2:39
